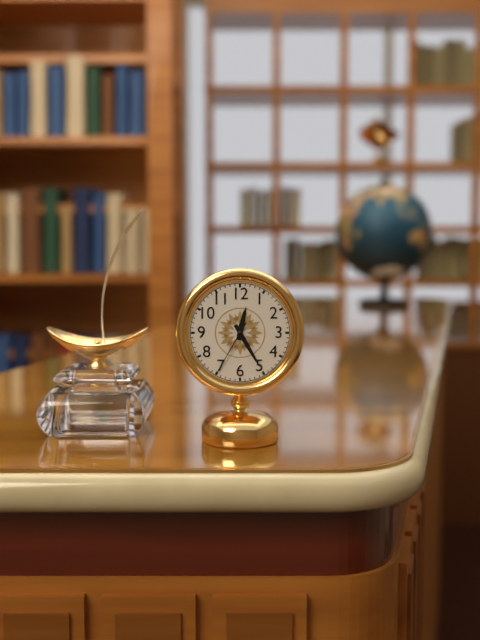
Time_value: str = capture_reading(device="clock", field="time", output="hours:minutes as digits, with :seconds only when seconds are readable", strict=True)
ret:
12:25:35
